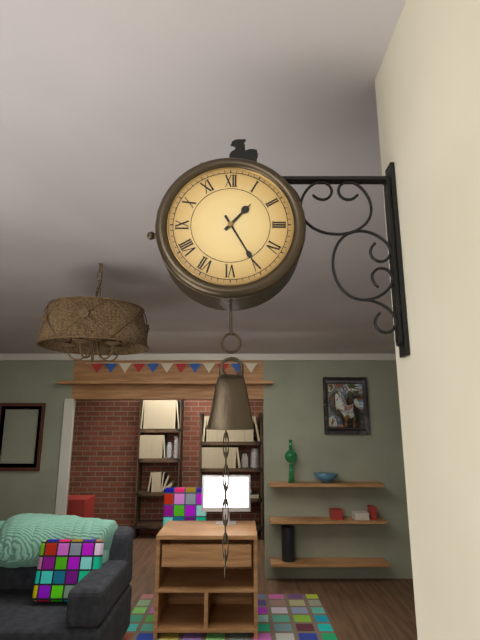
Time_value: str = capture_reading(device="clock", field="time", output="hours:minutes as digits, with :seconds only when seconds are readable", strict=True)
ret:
1:25
